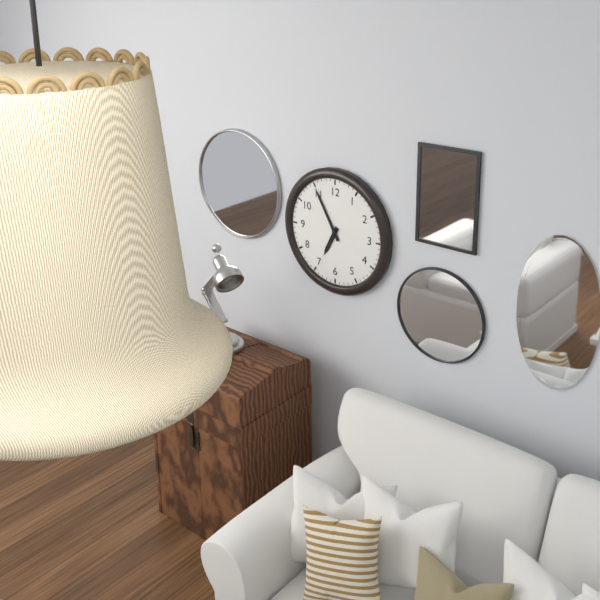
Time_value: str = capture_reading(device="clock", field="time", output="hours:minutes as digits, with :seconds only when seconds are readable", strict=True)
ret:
6:55
